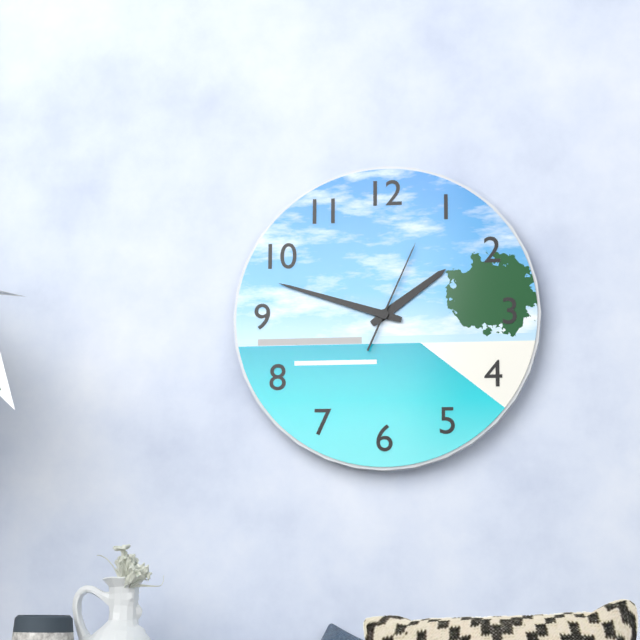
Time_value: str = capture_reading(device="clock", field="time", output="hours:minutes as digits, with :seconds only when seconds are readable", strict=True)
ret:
1:48:04
